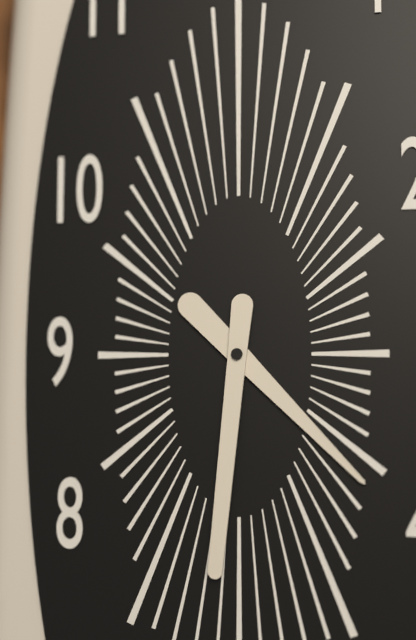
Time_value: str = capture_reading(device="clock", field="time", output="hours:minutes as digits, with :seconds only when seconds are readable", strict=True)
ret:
4:31
